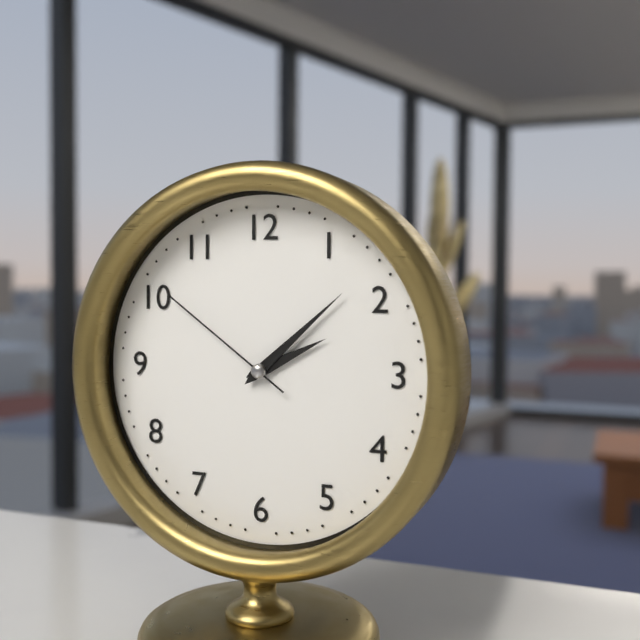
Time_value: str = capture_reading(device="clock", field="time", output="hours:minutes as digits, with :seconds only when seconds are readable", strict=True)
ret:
2:08:51
